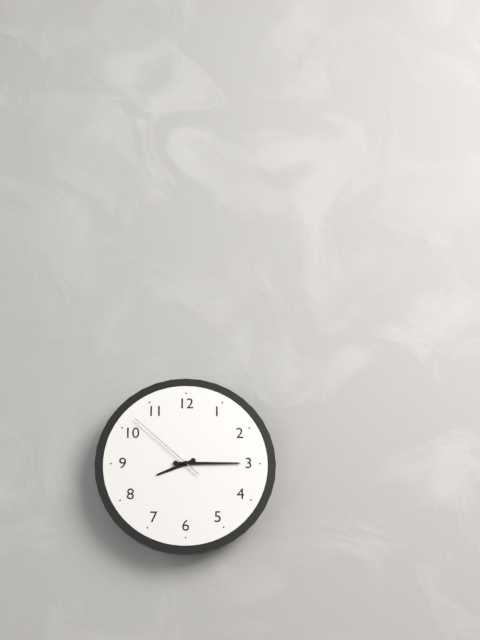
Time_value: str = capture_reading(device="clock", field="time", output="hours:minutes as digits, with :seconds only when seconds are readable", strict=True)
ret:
8:15:52
